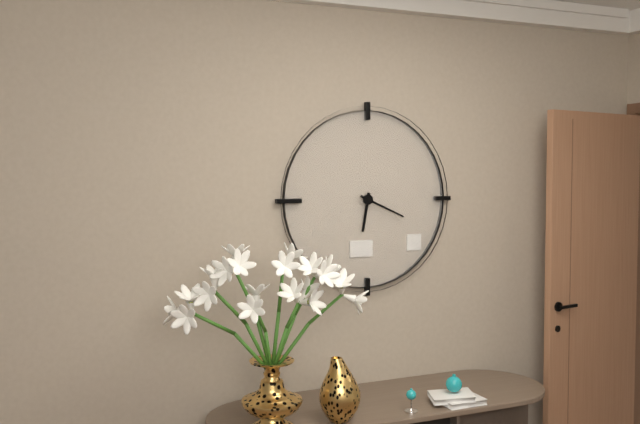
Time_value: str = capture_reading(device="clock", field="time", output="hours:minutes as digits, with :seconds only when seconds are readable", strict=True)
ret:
6:19
